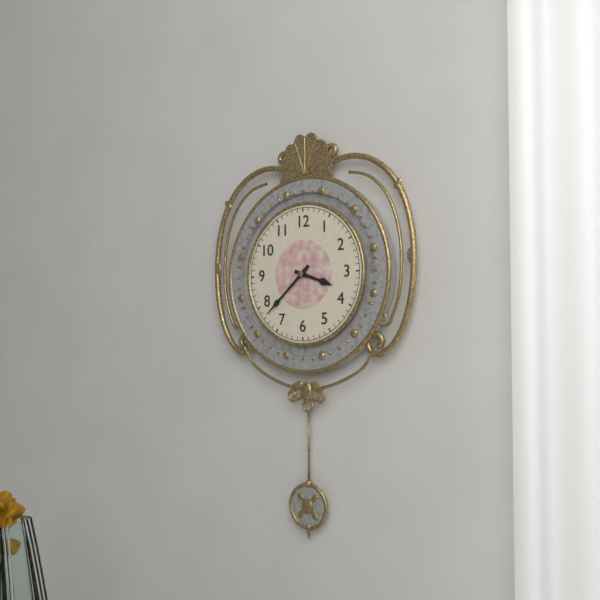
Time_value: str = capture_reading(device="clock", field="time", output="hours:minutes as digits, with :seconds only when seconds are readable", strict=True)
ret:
3:38
